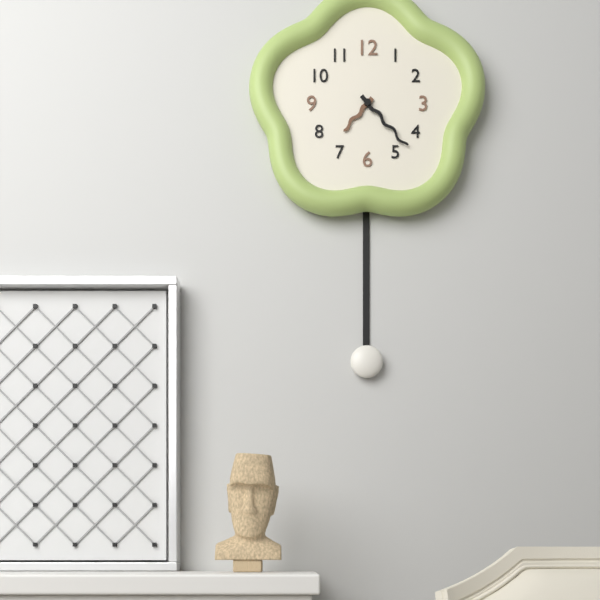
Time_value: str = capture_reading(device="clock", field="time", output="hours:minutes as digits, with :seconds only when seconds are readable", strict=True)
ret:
7:23
